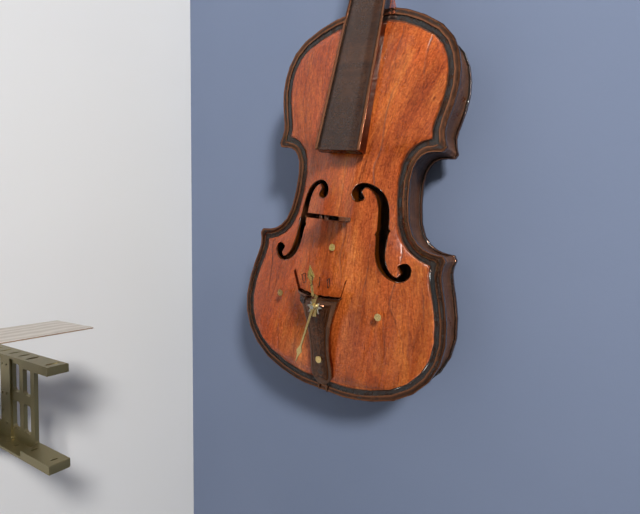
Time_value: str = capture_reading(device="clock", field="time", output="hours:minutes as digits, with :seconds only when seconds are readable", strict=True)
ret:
11:32
